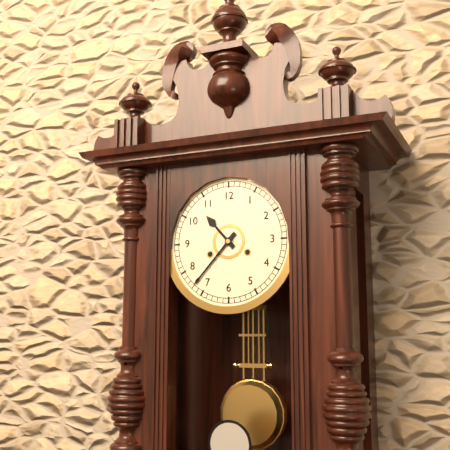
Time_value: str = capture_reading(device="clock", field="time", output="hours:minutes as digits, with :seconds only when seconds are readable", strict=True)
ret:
10:37
